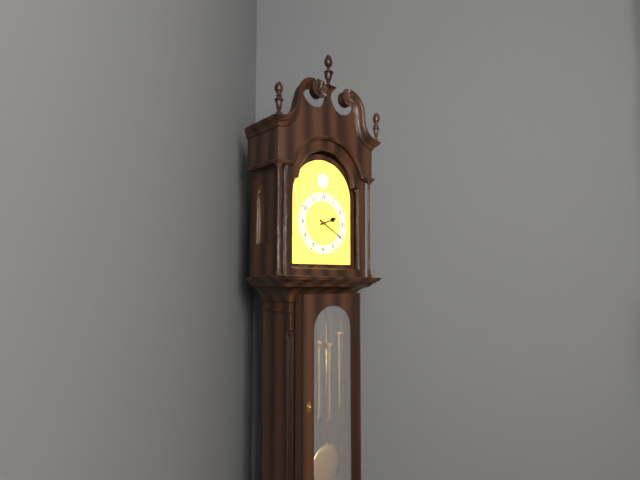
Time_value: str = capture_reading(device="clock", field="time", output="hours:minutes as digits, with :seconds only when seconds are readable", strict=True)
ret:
2:20
